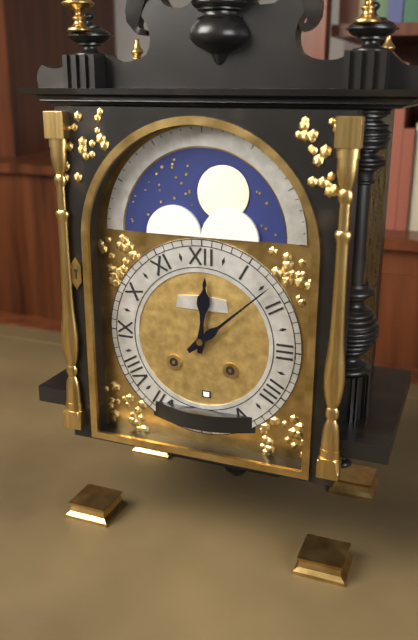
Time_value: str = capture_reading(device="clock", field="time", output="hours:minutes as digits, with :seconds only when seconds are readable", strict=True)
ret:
12:08
